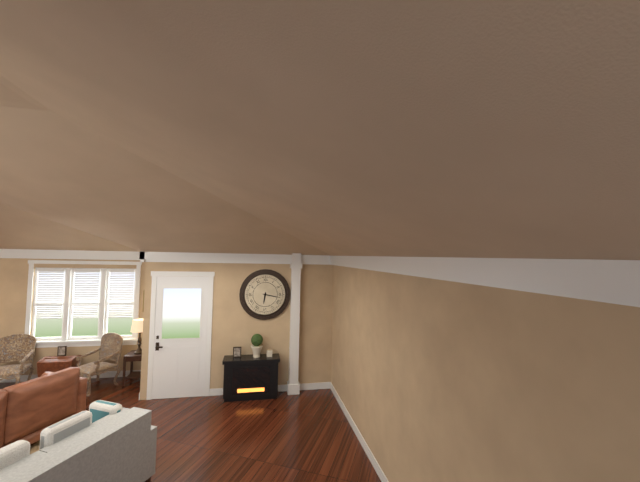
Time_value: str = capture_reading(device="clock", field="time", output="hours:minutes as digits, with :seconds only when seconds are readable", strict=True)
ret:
6:17
